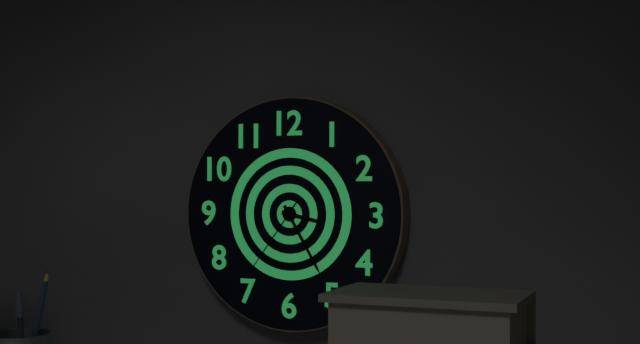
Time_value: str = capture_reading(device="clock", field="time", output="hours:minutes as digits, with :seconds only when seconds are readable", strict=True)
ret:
3:25:36
